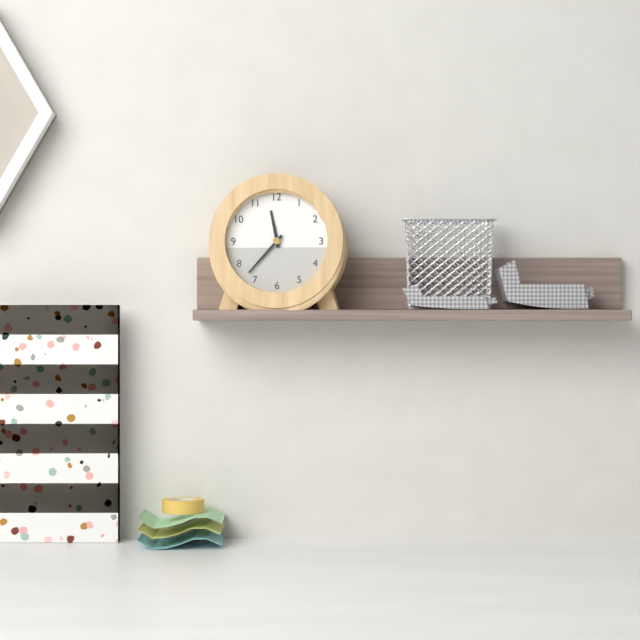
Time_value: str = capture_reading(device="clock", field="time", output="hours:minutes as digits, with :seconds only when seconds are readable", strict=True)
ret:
11:37
